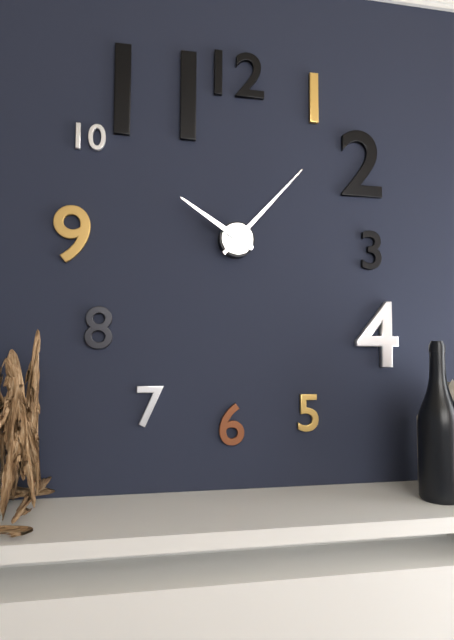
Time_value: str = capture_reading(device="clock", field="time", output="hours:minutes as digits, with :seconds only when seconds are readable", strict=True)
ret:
10:07
